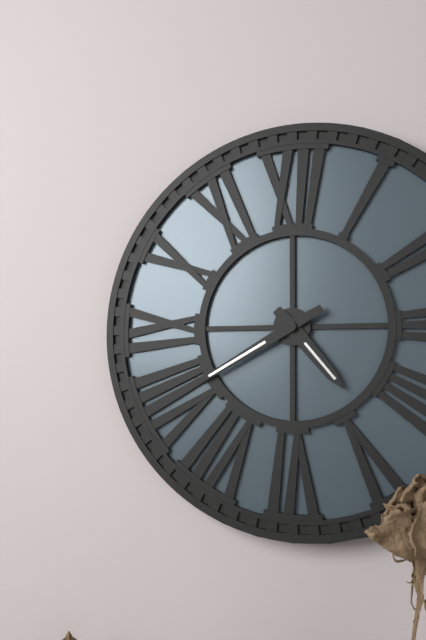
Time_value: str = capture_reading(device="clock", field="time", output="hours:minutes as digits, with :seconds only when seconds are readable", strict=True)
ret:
4:40
